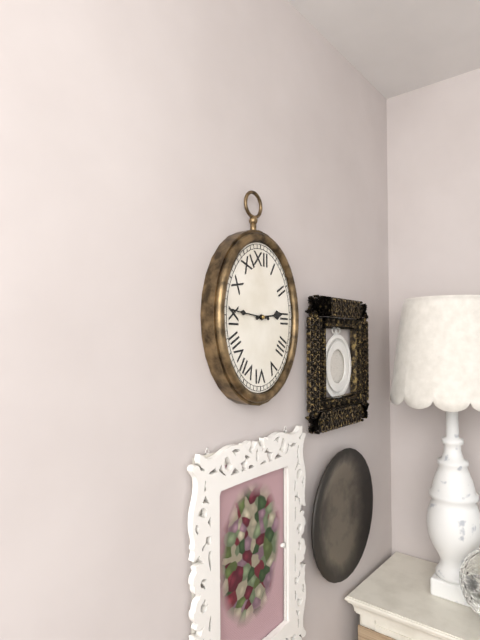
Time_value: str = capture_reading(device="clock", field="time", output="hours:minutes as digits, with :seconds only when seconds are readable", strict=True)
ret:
2:46
